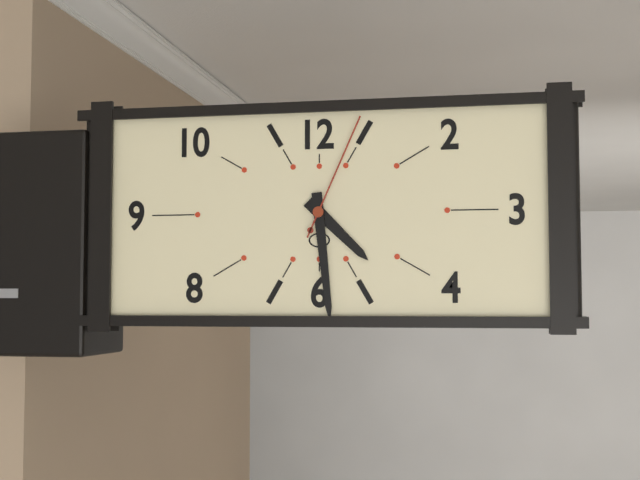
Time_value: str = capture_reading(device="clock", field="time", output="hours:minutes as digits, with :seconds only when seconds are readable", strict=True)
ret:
4:29:04
